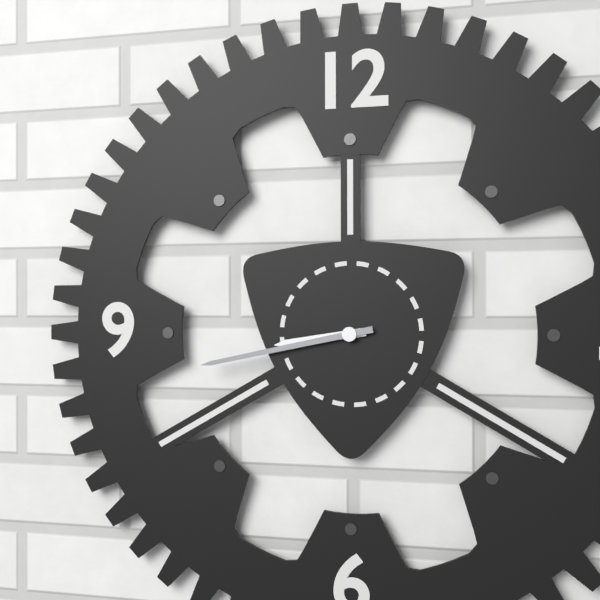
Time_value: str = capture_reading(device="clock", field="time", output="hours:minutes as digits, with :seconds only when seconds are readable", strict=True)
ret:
8:43
